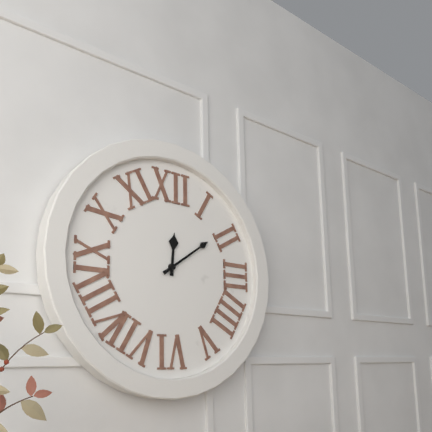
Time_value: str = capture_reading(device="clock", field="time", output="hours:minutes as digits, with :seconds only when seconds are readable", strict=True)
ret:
12:09
